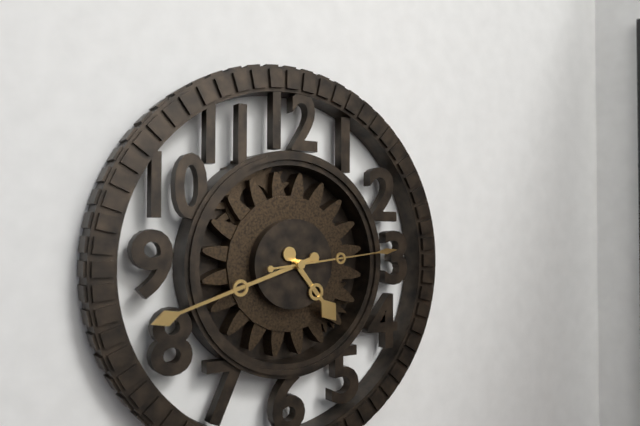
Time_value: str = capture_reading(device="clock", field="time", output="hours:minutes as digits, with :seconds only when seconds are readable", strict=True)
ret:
4:42:14
